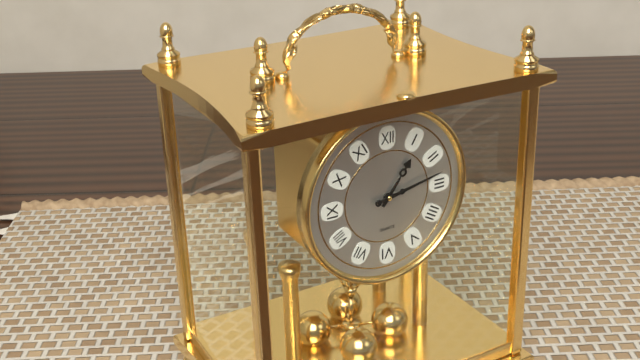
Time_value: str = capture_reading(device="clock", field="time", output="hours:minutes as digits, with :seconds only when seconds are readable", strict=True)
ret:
1:13
